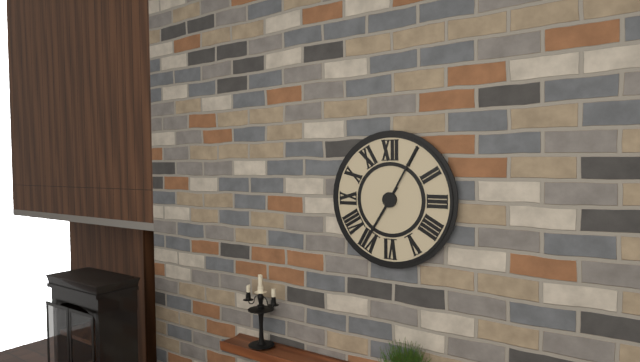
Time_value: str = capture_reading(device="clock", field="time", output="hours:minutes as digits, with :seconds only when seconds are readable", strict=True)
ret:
7:05
